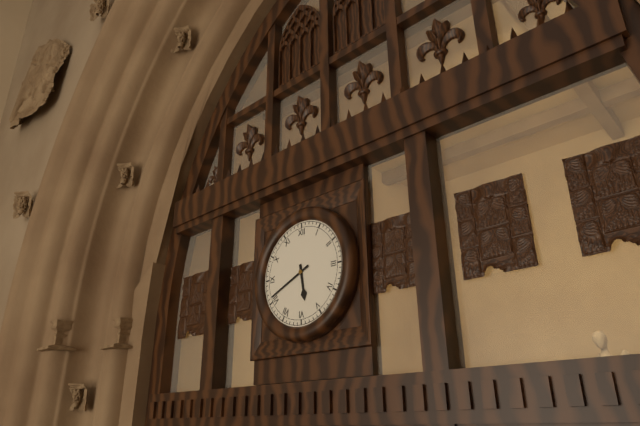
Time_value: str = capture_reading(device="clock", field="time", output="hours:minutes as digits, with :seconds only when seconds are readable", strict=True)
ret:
5:41
